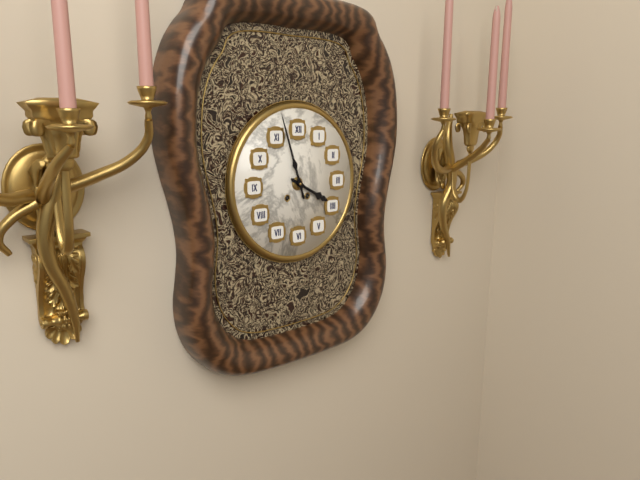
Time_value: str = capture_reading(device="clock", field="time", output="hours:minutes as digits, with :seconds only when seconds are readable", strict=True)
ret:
3:57
